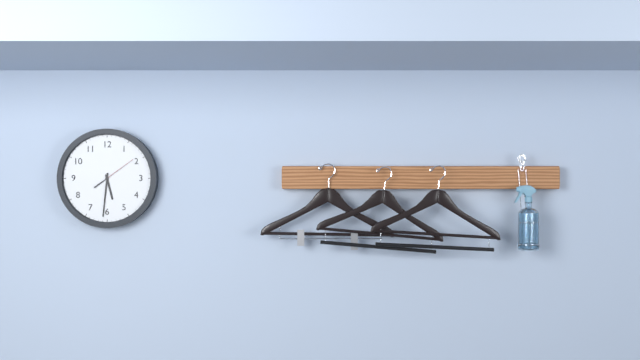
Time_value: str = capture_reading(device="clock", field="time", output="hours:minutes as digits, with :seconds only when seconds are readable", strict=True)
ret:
5:31
